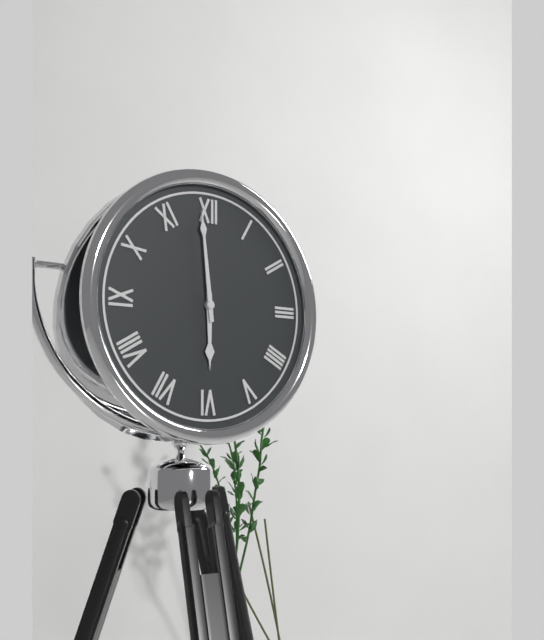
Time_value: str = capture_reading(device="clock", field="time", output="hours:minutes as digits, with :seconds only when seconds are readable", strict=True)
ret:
5:59
